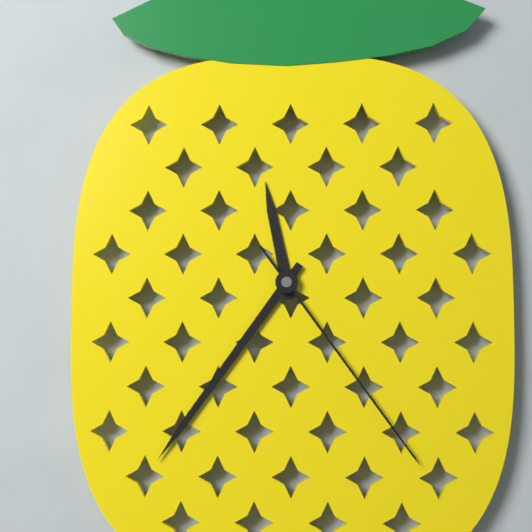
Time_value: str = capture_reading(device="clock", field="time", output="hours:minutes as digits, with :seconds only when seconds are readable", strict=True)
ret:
11:36:24
